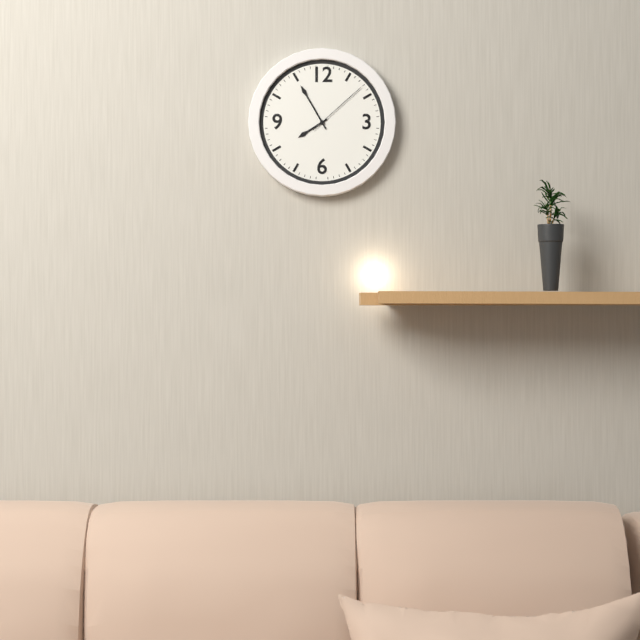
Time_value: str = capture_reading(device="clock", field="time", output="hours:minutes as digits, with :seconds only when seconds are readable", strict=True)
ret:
7:55:08
